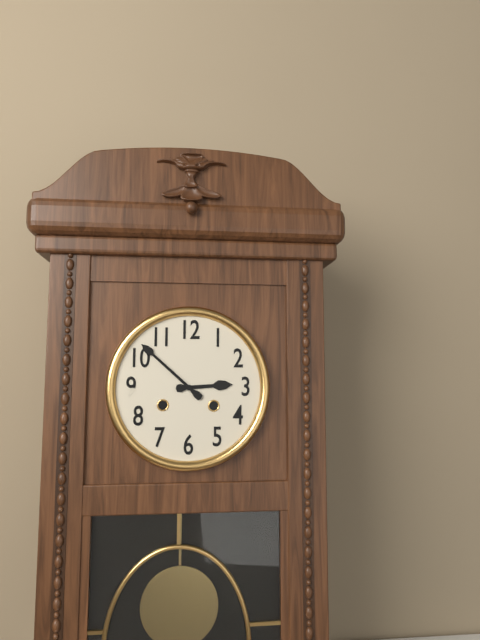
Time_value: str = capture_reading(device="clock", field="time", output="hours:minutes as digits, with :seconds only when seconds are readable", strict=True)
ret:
2:52
